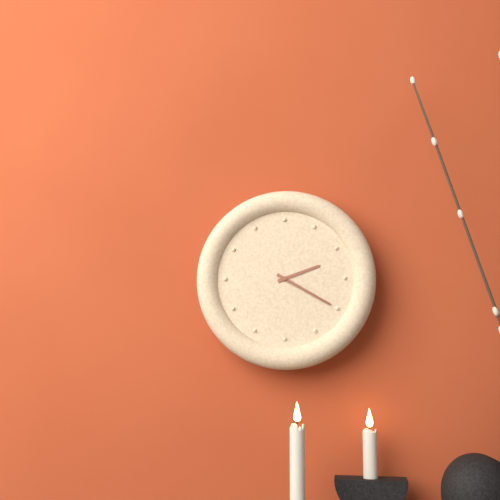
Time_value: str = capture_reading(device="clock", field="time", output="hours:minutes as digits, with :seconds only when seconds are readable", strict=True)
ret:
2:20
